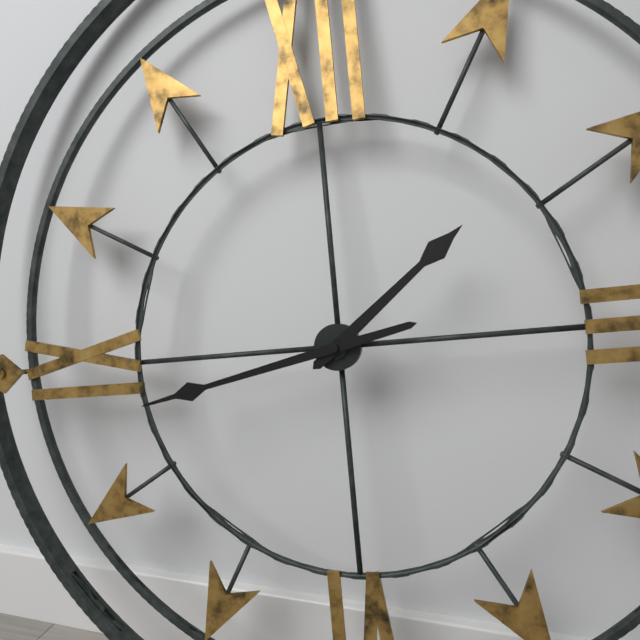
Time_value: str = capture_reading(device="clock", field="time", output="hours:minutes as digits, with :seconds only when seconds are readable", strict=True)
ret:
1:43
